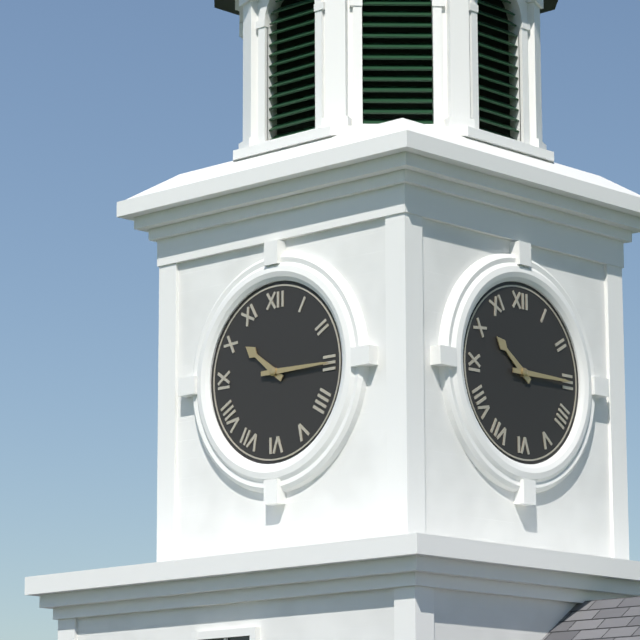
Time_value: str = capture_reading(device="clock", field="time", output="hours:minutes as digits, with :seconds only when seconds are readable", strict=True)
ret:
10:15
